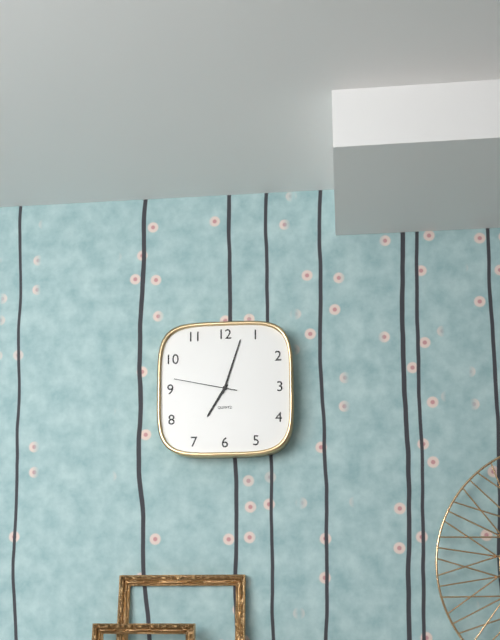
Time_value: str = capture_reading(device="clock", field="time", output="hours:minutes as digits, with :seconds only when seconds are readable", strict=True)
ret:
7:03:47
